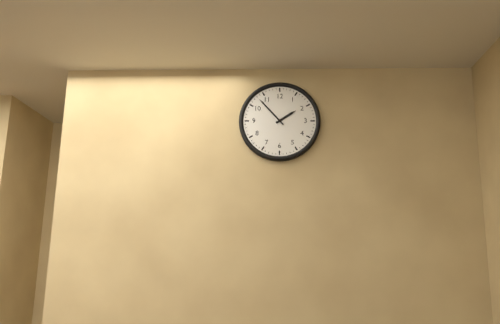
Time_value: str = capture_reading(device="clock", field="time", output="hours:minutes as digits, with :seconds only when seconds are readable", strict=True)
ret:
1:53
